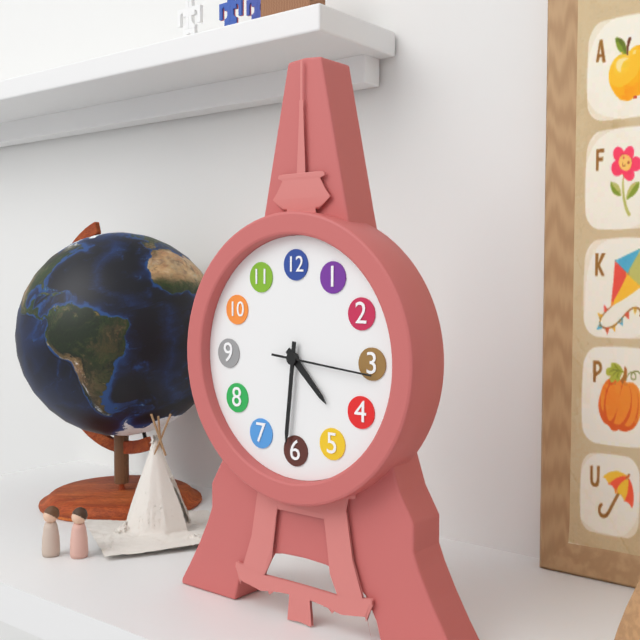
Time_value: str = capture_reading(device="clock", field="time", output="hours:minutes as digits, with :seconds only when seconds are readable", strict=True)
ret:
4:31:16
